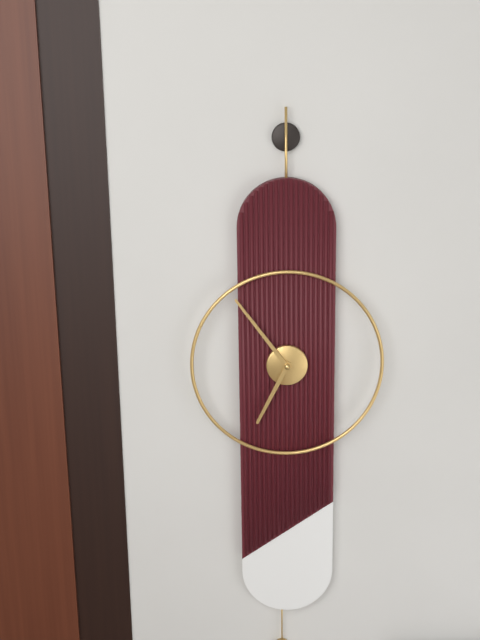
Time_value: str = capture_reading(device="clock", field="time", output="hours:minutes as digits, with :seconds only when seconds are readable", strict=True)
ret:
6:54
